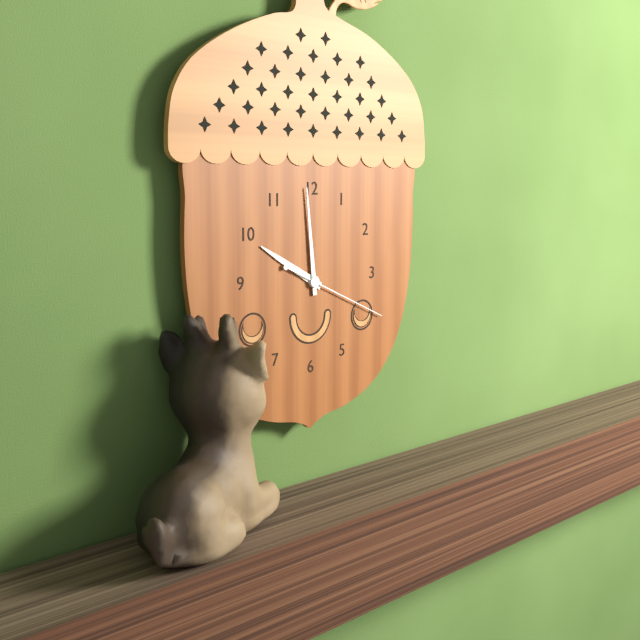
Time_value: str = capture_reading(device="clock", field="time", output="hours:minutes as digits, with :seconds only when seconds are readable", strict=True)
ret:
9:59:19
